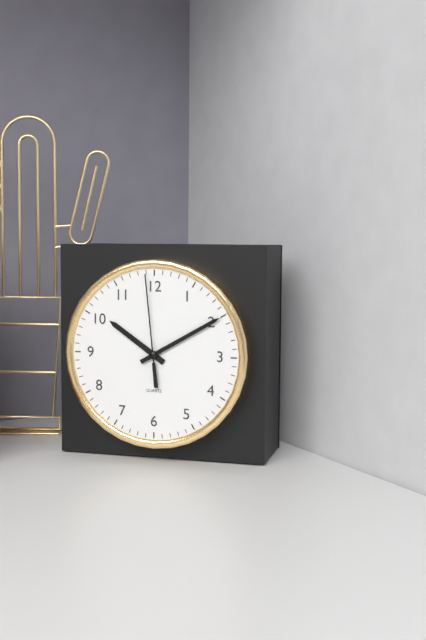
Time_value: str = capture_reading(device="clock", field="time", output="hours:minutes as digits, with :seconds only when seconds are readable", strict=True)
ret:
10:10:59
